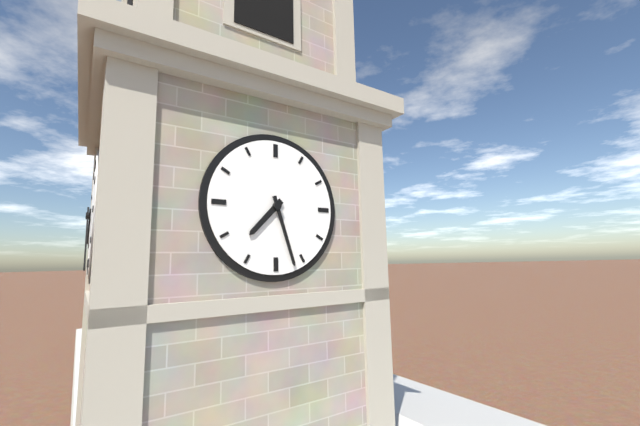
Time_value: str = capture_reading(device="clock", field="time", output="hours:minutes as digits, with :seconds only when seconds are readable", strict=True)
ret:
7:27
